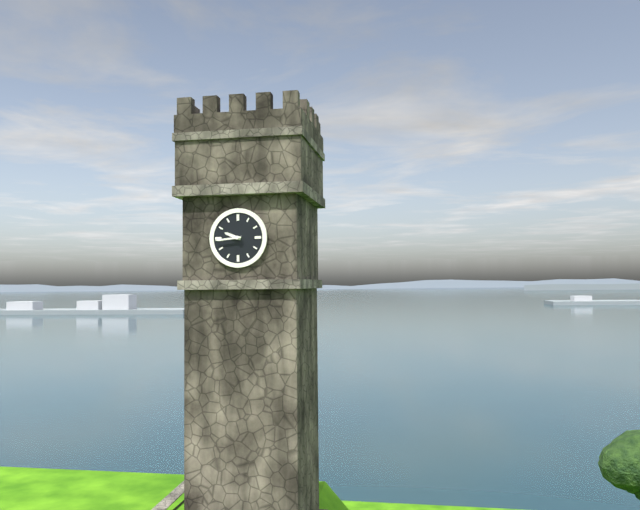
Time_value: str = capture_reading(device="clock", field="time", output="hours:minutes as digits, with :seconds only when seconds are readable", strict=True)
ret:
9:44
